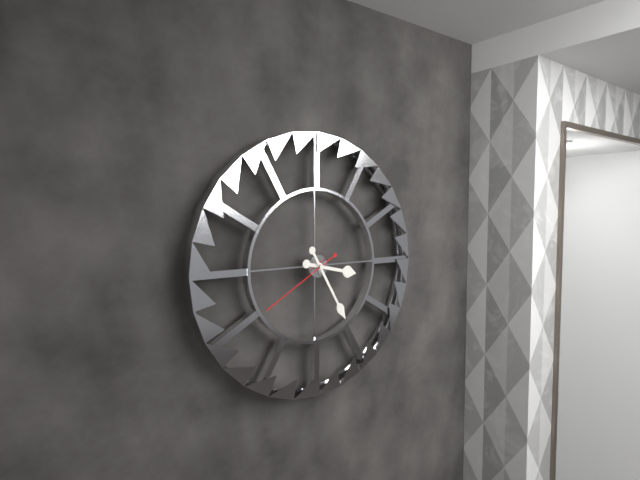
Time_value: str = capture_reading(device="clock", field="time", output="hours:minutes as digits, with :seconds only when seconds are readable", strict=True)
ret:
3:25:40
